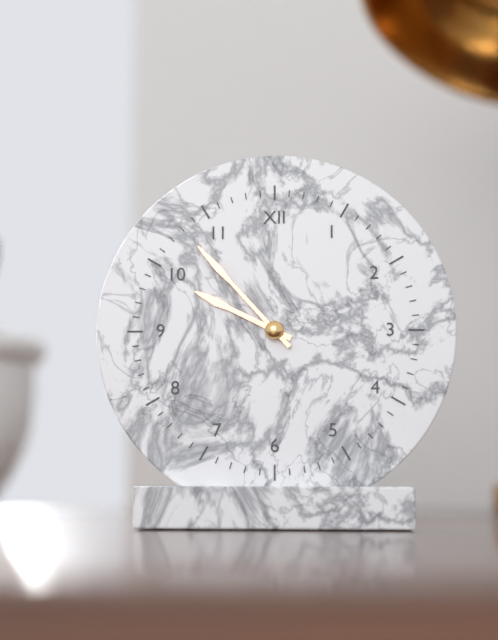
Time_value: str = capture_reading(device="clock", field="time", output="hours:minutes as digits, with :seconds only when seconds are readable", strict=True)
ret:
9:53
